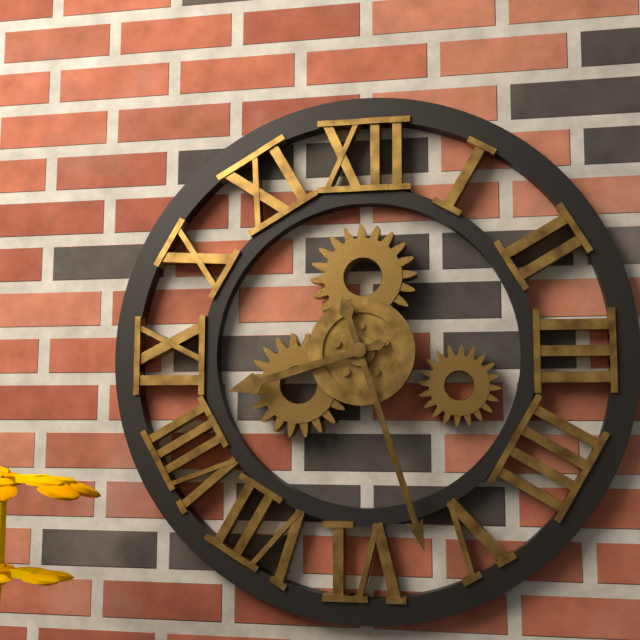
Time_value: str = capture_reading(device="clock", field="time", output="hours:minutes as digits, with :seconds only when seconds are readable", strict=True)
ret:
8:27
